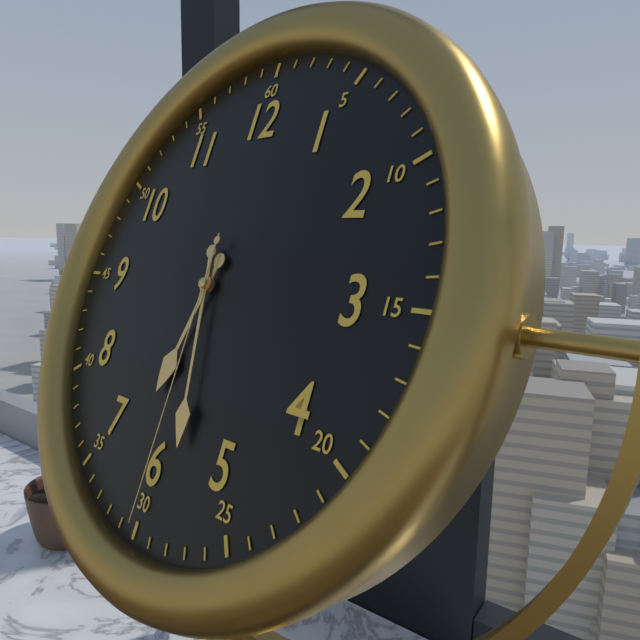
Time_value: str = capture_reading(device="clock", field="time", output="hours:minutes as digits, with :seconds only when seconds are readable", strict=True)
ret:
6:28:30
